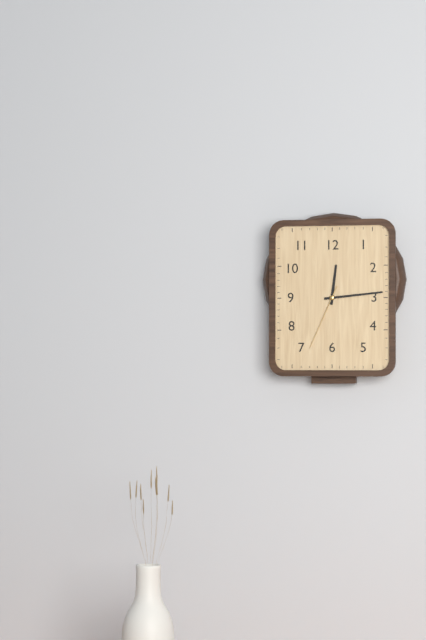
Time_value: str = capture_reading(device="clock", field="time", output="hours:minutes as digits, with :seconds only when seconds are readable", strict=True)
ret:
12:14:34
